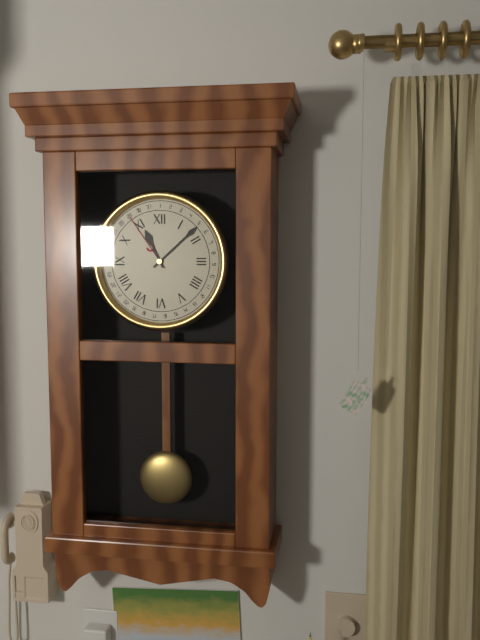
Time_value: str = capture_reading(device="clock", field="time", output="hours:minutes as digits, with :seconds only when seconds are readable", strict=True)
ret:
11:08
